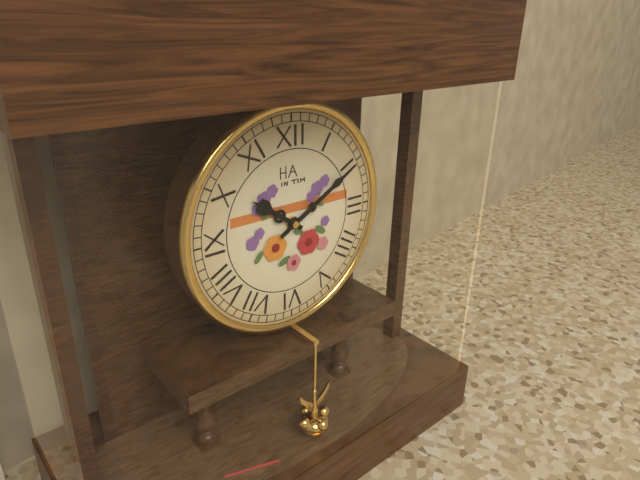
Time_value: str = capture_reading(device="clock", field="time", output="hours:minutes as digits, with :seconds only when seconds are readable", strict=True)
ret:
10:10
